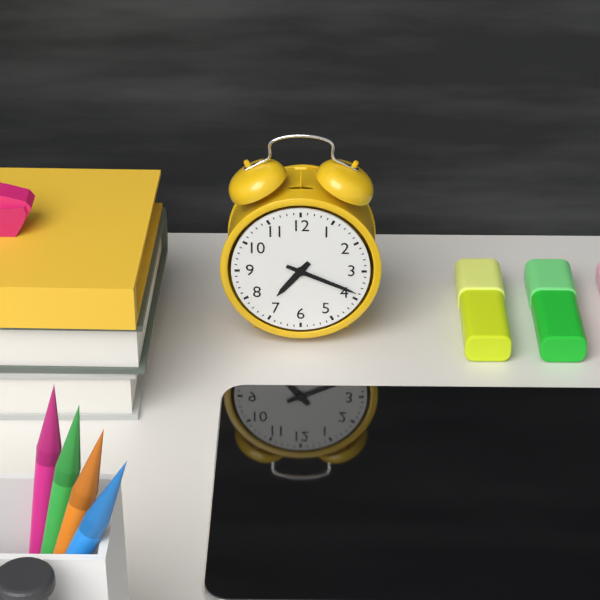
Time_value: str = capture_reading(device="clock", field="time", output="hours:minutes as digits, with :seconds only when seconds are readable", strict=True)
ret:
7:19
